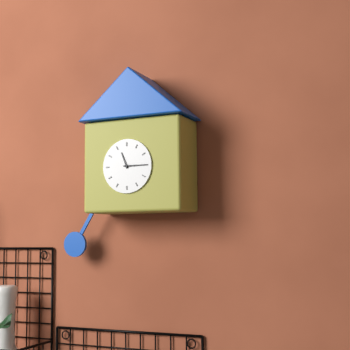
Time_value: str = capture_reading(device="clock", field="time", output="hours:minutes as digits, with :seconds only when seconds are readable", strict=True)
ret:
11:15
